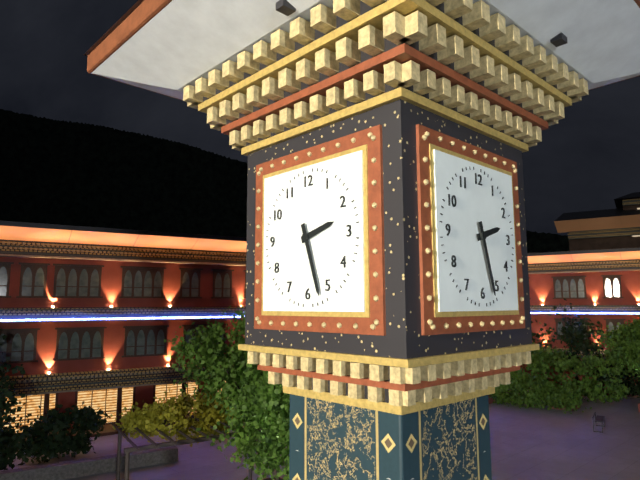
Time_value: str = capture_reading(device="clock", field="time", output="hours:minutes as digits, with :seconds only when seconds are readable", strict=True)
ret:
2:27
